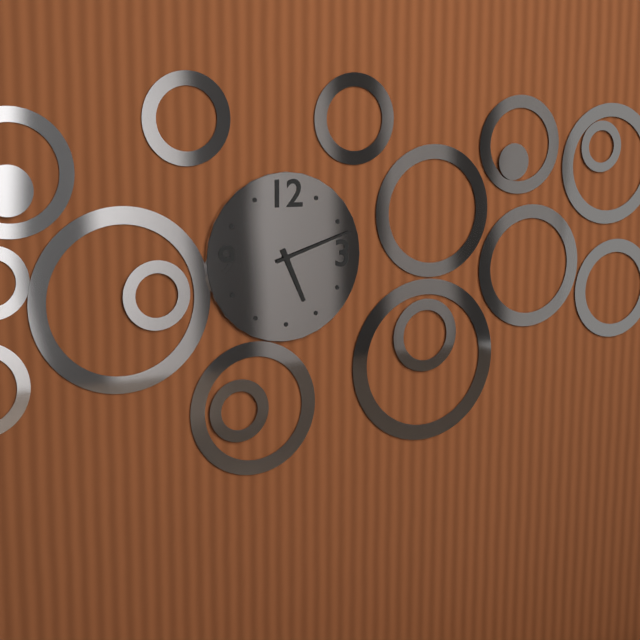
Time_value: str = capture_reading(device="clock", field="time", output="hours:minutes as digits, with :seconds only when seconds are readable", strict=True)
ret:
5:12
